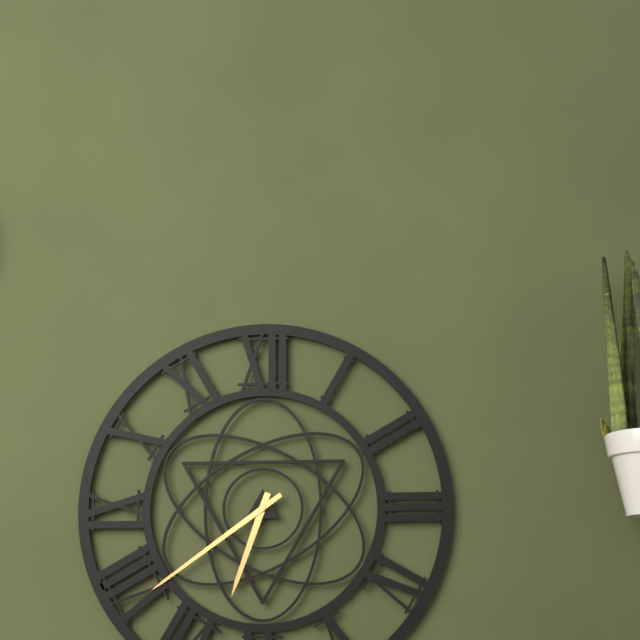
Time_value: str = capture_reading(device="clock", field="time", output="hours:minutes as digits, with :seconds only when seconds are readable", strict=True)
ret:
6:39
